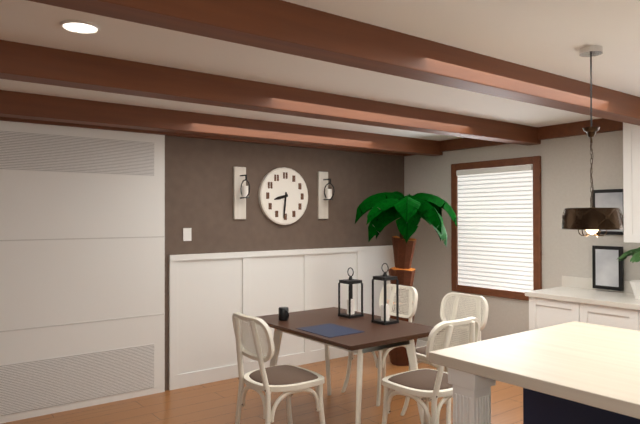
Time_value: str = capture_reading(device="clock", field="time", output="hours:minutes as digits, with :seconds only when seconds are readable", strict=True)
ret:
8:31
